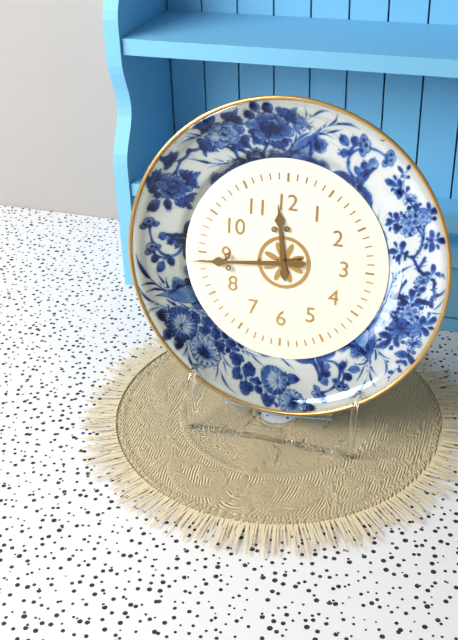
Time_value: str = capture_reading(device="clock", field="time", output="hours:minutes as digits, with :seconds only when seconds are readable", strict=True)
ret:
11:44
